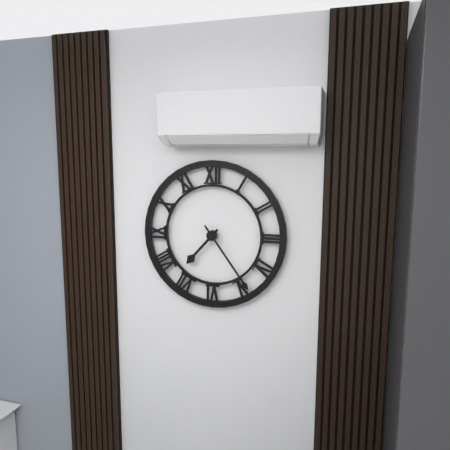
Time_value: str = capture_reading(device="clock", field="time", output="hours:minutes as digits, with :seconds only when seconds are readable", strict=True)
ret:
7:24
